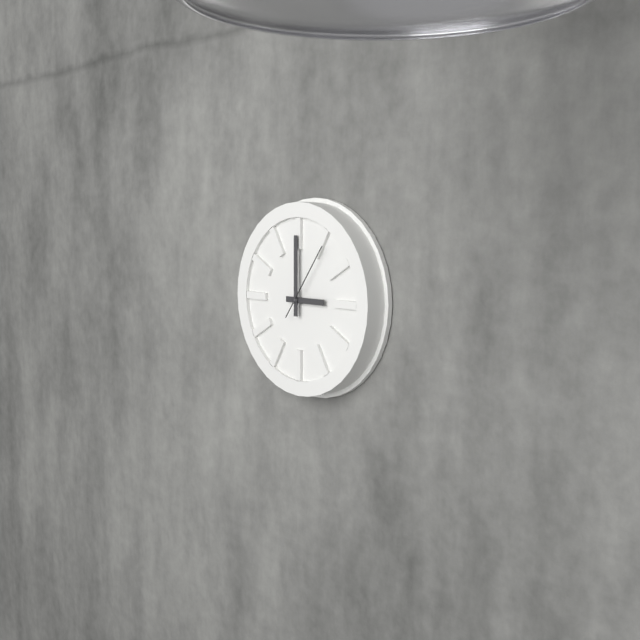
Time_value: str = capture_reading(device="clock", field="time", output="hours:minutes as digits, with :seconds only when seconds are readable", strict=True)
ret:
3:00:06
